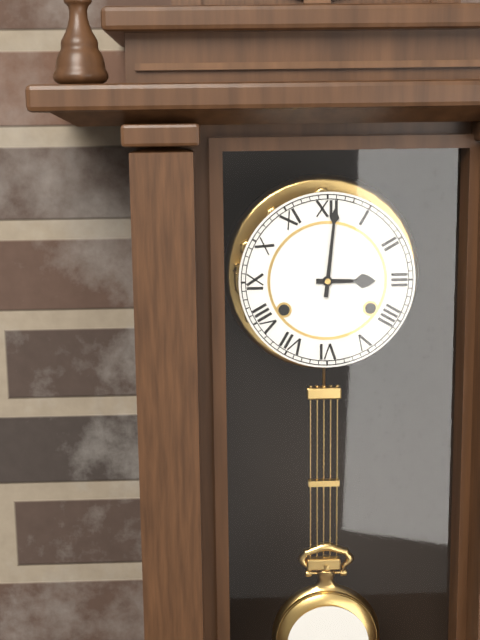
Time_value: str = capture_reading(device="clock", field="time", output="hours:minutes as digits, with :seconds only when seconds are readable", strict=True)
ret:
3:01
